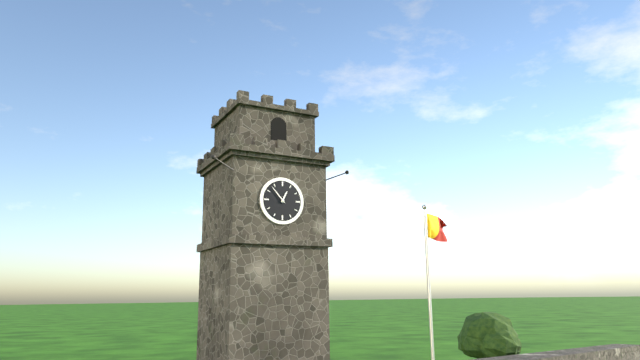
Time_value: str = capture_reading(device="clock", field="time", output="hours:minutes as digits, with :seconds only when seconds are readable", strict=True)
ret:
12:53
